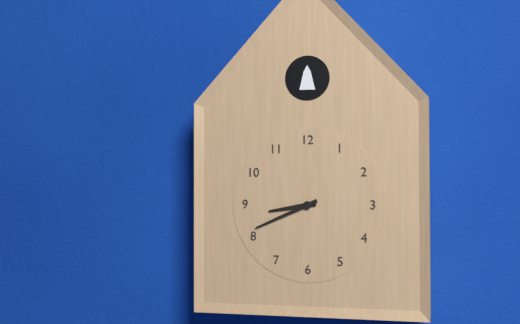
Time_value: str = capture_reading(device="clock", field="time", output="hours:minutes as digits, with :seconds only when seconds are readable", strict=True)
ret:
8:41
